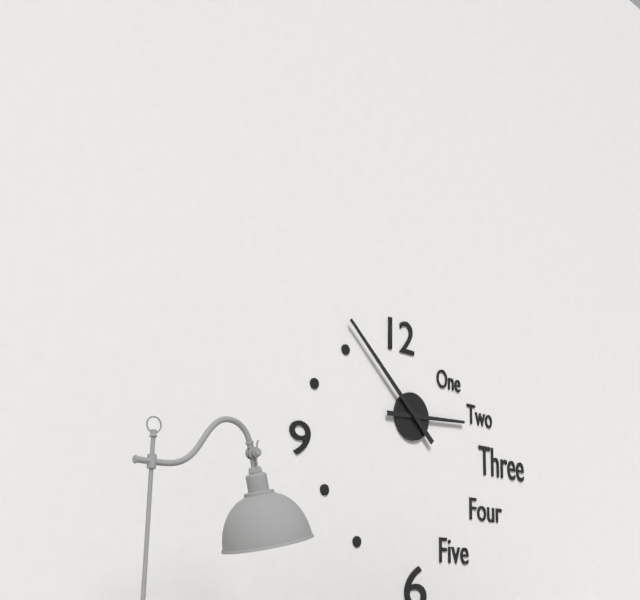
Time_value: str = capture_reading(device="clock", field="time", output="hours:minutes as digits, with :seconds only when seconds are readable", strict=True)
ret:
2:52
